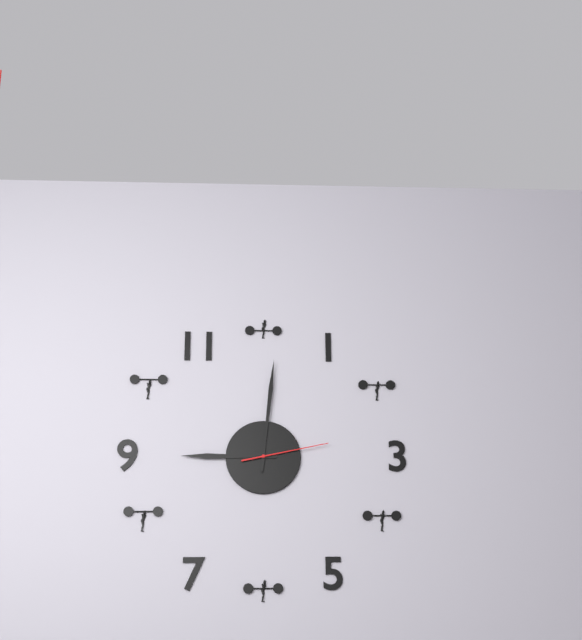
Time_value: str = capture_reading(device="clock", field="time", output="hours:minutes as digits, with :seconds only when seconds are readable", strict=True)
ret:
9:01:13
